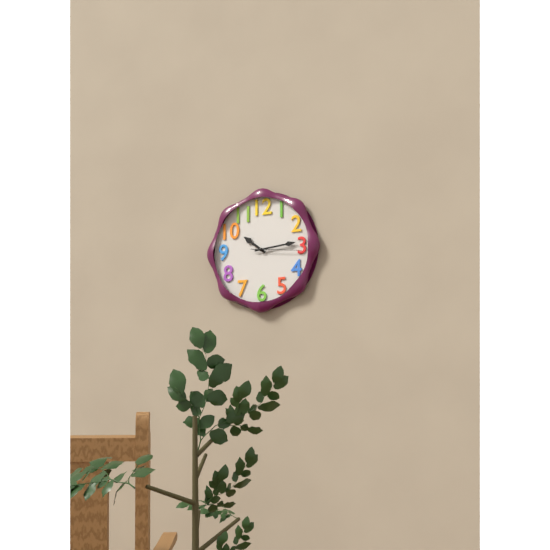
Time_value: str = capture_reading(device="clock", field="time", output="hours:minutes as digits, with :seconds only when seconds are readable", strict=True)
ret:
10:14:16
